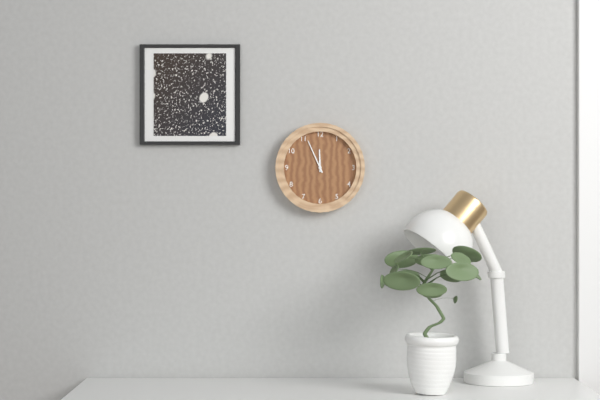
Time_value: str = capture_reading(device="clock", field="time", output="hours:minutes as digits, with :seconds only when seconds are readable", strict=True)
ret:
11:56
